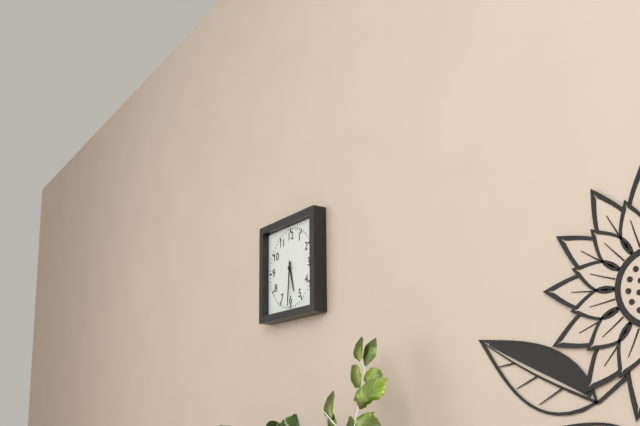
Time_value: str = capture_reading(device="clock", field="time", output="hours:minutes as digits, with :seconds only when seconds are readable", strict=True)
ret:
5:31
